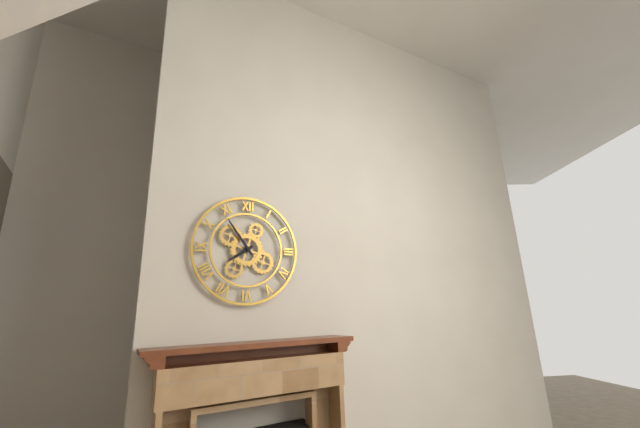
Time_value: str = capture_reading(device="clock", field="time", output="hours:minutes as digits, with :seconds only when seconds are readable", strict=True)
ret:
7:54
